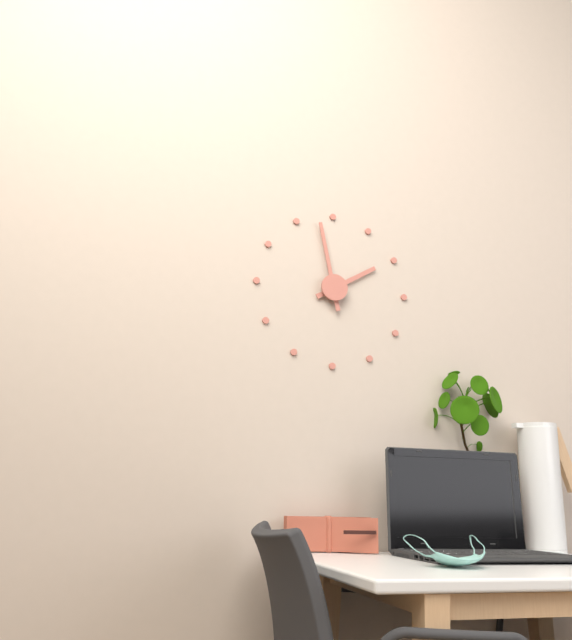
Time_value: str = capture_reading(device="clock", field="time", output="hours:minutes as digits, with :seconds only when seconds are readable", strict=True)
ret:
1:58
